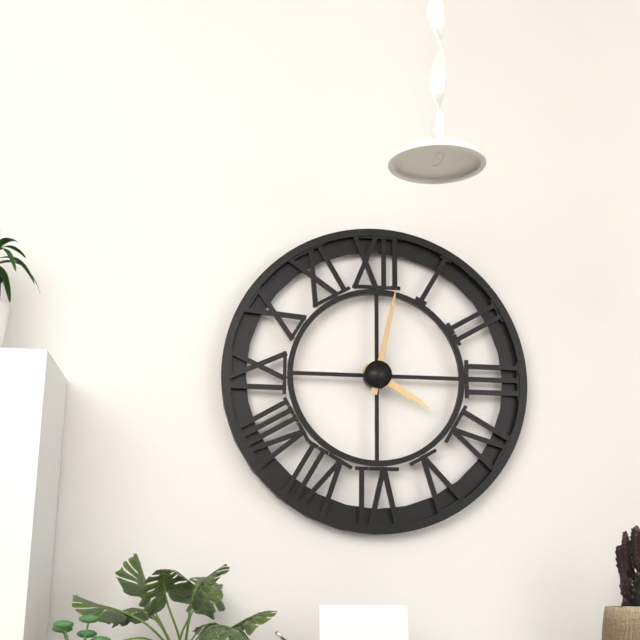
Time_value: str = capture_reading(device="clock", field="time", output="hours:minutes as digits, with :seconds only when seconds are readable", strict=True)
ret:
4:02
